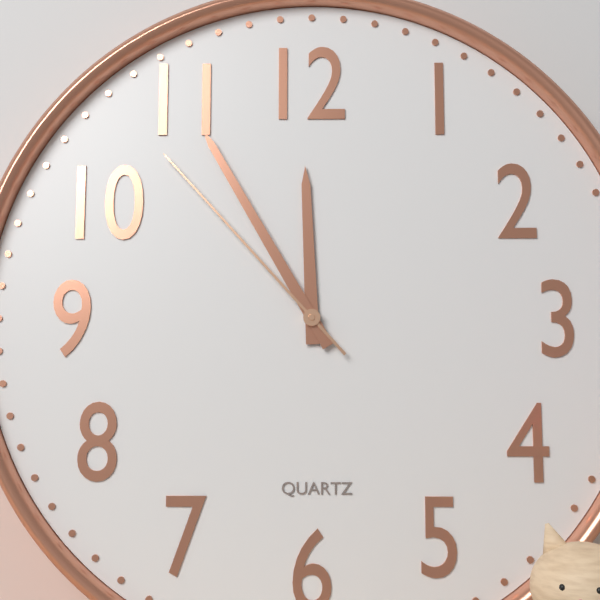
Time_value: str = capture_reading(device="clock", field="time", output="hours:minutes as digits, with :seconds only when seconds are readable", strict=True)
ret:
11:55:53
